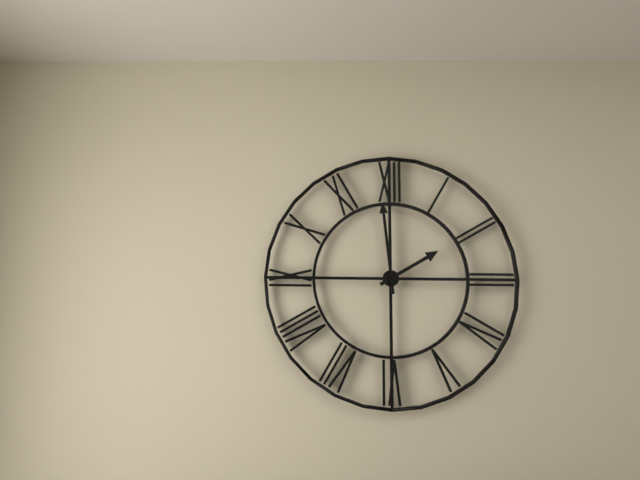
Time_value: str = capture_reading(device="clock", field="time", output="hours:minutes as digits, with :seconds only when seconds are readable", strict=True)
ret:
1:59
